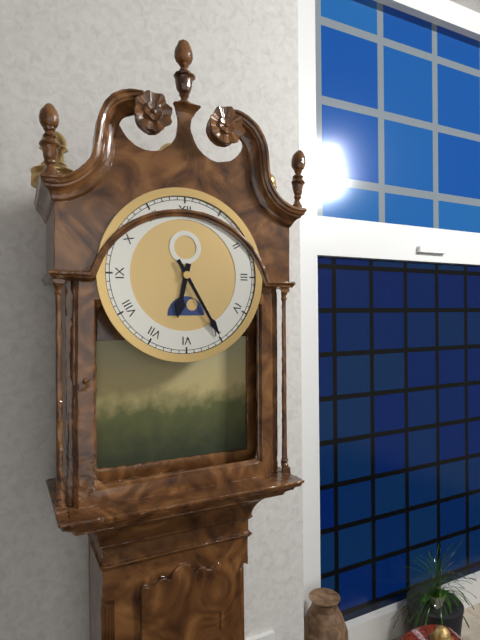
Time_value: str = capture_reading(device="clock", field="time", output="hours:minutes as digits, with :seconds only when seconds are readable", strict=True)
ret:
6:25
